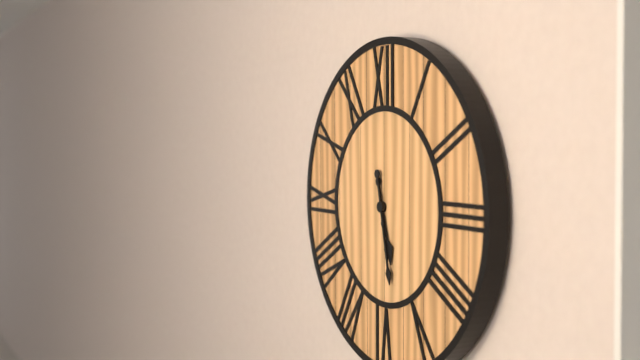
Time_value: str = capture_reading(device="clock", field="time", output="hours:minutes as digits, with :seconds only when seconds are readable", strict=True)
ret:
5:28
